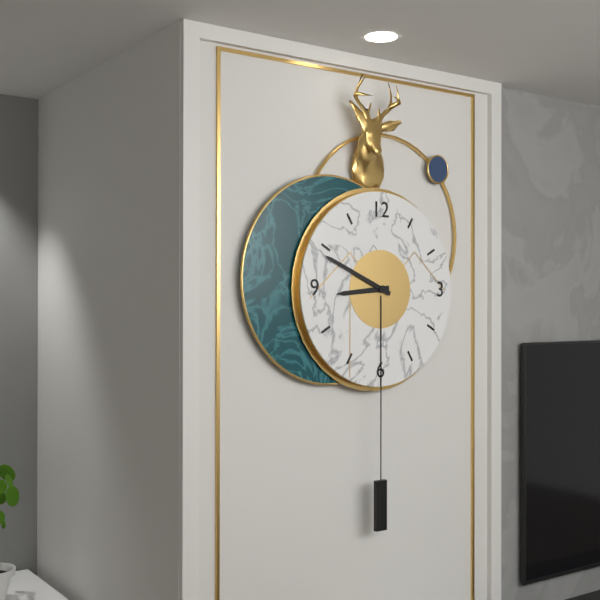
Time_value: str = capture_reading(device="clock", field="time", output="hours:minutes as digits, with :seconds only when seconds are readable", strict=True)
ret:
8:49
